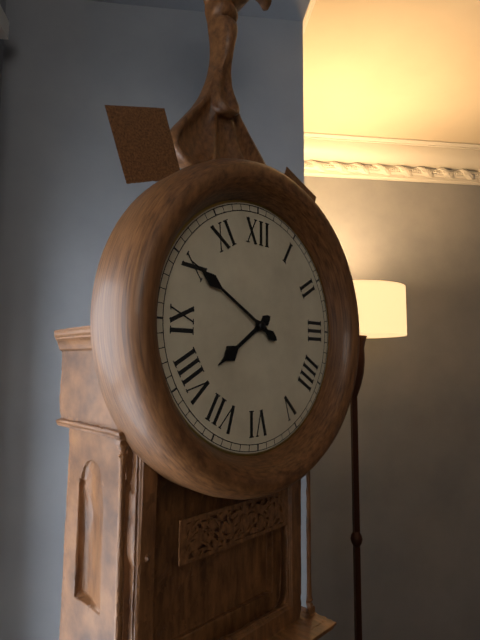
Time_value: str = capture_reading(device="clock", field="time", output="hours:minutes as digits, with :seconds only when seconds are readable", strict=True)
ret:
7:50
